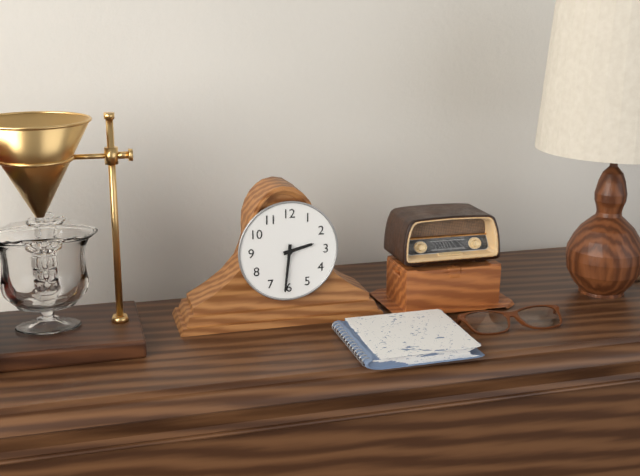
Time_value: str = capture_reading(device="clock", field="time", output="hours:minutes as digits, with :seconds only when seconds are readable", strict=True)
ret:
2:31
